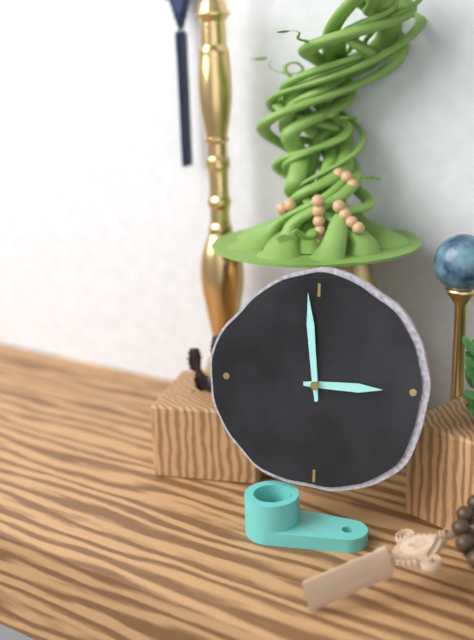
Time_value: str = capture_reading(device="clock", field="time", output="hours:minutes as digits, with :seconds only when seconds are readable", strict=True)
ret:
2:59
